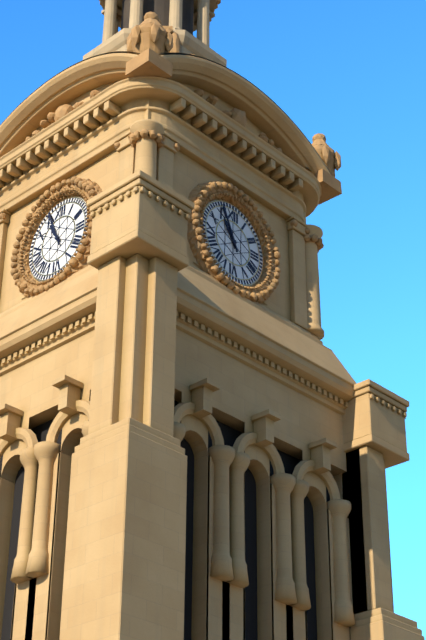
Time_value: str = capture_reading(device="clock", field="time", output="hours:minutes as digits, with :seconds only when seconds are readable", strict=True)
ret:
10:56
